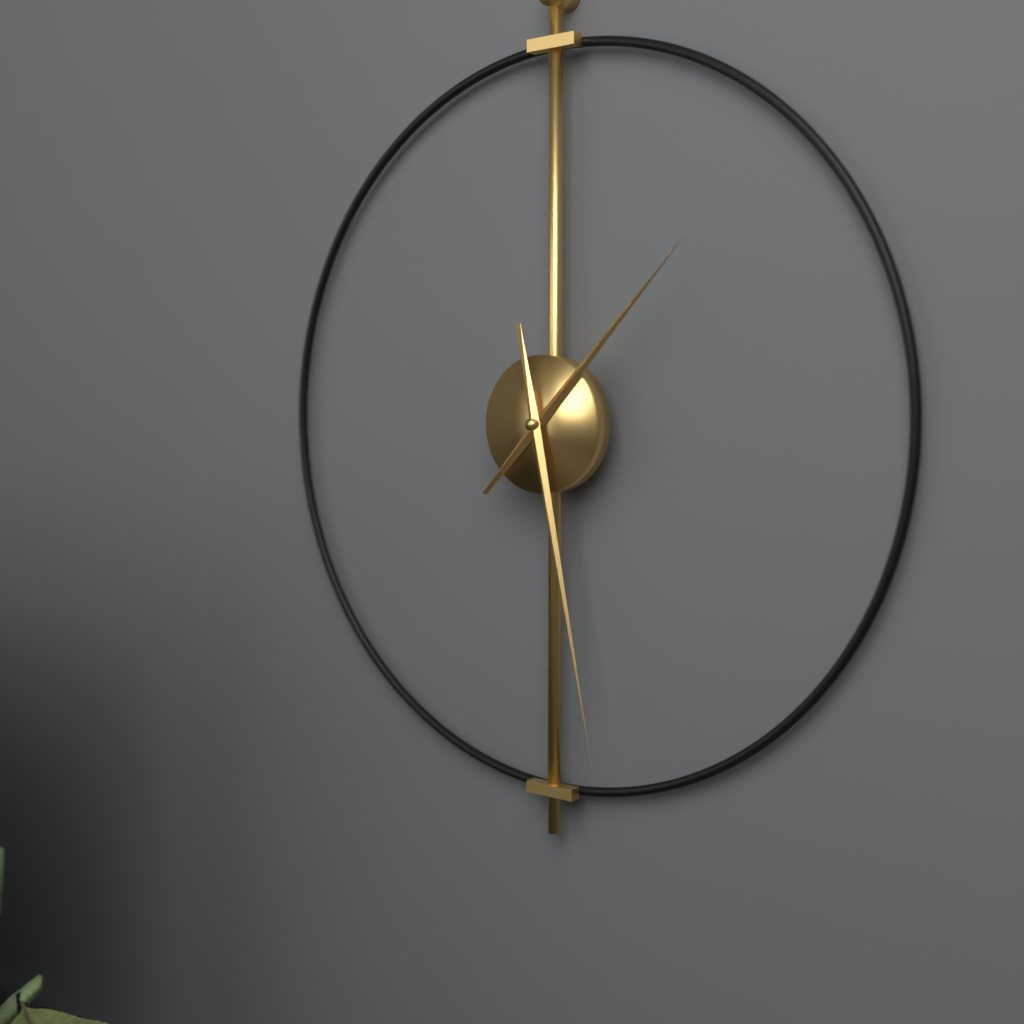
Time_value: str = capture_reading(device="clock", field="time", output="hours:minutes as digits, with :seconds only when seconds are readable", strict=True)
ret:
1:28
